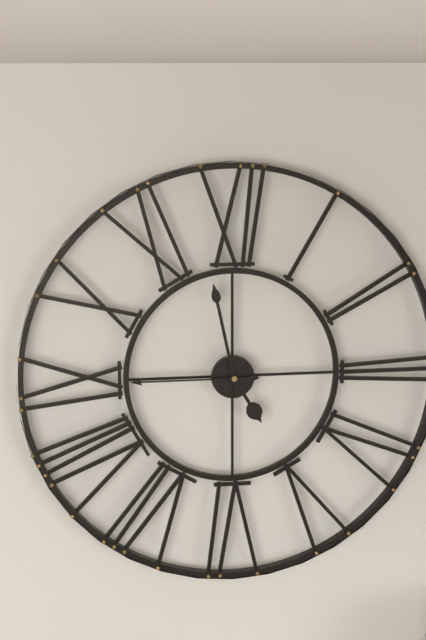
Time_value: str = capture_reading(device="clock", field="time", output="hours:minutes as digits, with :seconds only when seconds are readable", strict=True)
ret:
4:58:45
